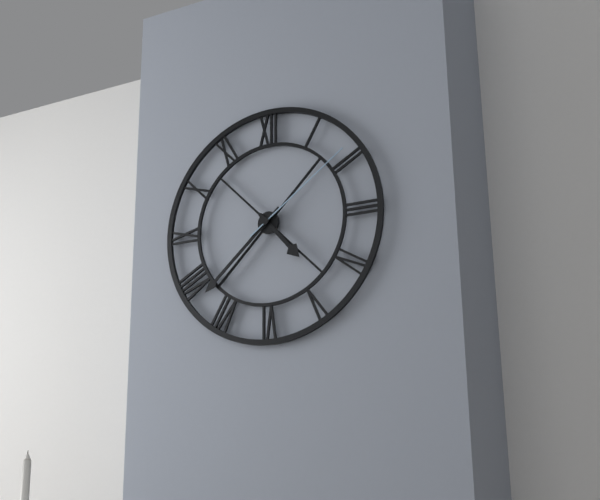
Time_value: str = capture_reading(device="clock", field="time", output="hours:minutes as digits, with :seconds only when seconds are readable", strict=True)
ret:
4:38:09
